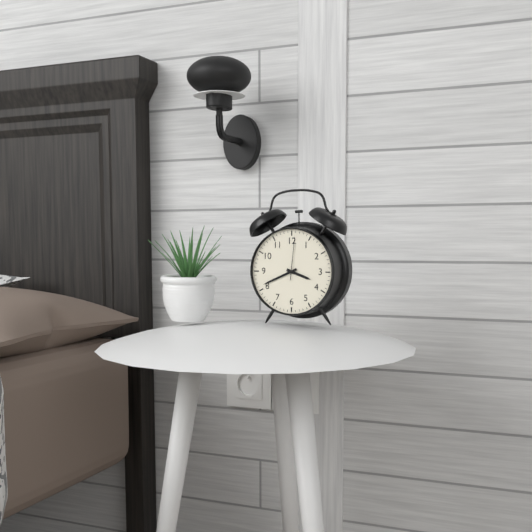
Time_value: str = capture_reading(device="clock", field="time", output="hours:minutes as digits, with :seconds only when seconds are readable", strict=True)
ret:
3:41
